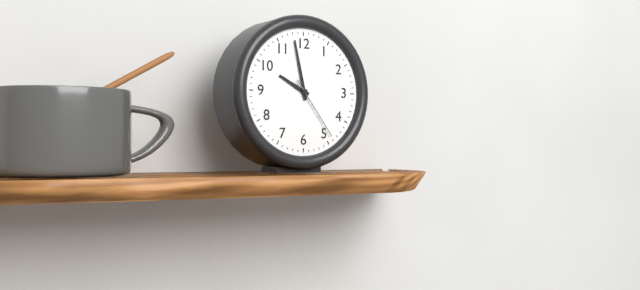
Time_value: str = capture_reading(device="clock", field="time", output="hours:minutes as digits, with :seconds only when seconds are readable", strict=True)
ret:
9:58:24
